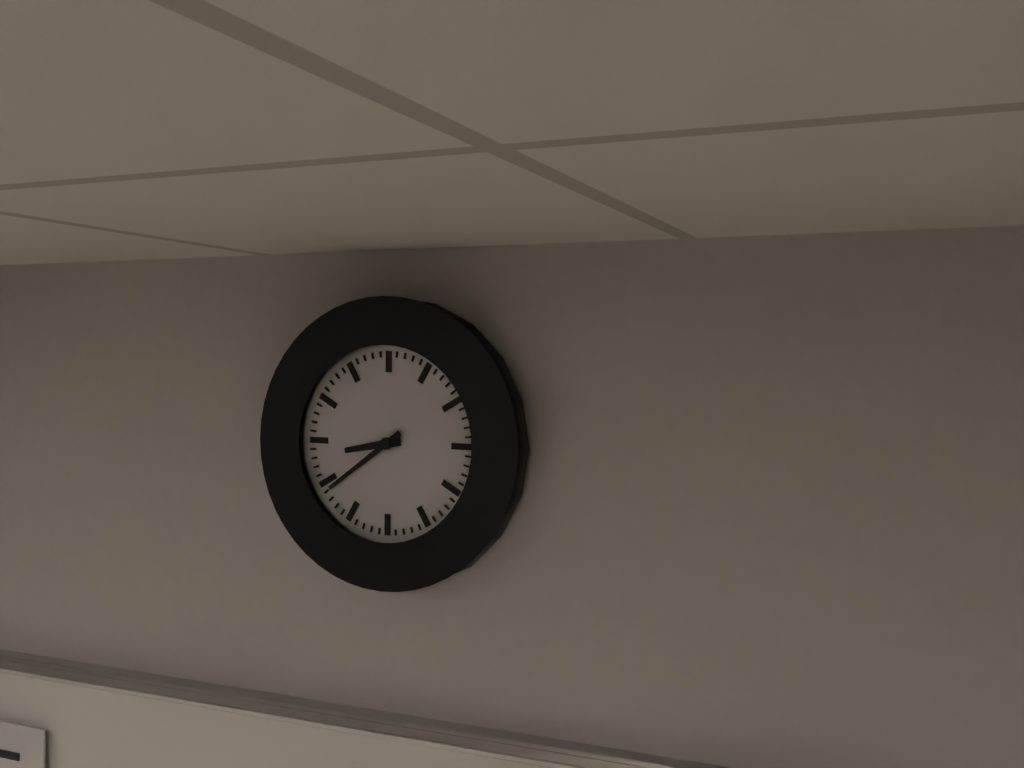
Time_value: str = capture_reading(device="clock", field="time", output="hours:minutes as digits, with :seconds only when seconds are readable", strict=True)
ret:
8:39
